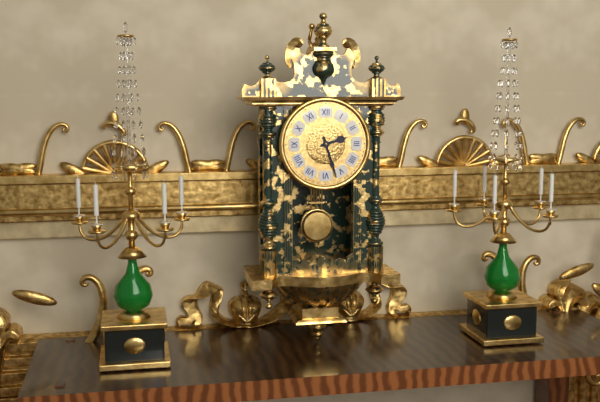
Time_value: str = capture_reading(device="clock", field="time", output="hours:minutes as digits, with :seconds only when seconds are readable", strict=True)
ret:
2:27
